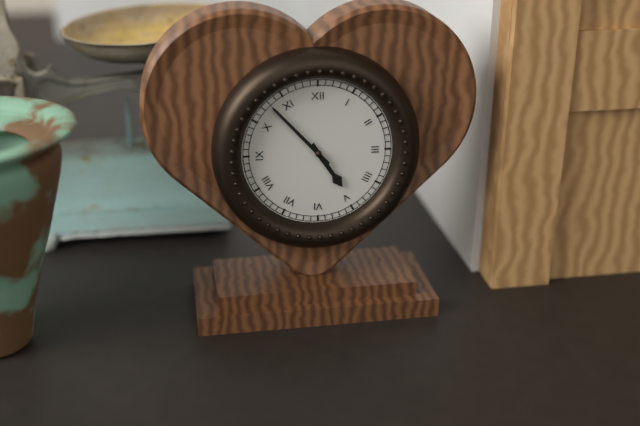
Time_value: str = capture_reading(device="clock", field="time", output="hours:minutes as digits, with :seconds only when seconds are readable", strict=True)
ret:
4:53
